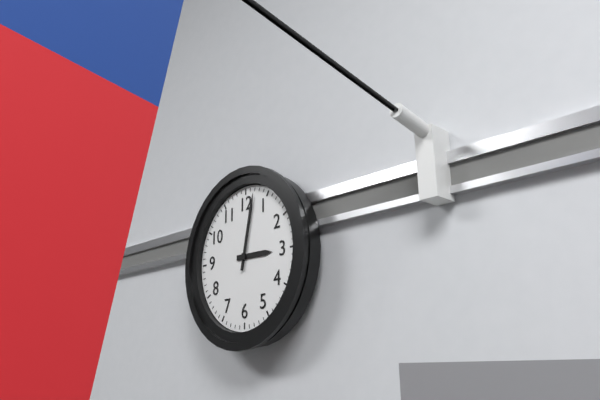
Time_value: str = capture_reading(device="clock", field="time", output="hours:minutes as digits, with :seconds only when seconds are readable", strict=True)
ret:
3:02
